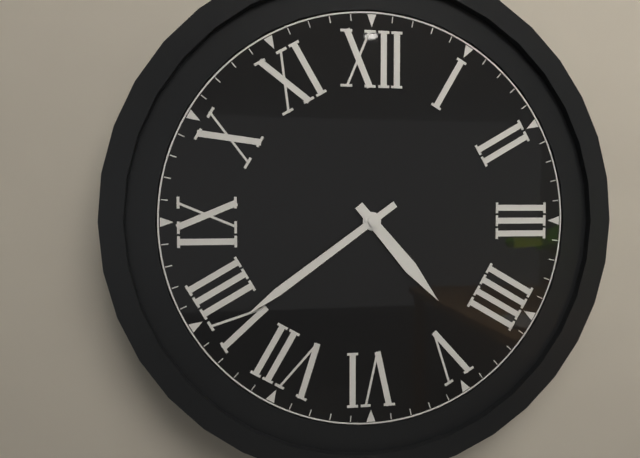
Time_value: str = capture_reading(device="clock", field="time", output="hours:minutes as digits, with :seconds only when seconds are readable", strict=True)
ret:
4:39
